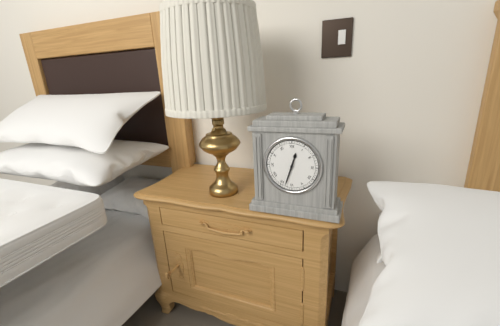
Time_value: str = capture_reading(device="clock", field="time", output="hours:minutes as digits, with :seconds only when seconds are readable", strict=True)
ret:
12:33
